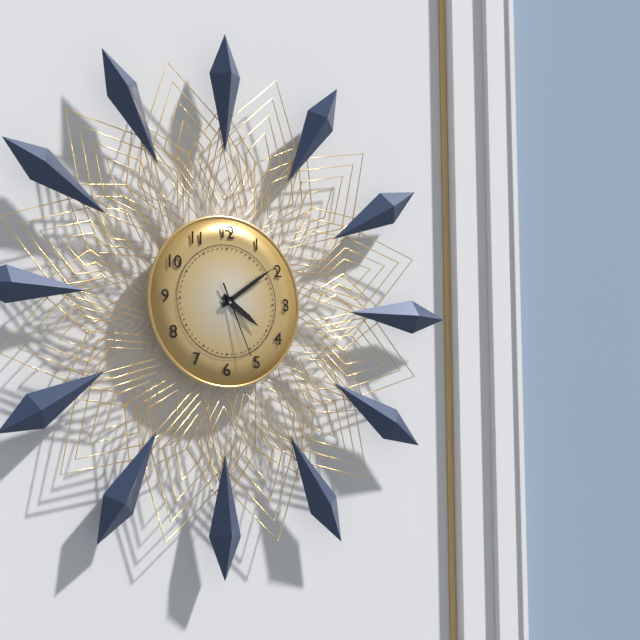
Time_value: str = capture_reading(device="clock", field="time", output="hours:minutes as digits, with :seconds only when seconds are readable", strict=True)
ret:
4:09:26
